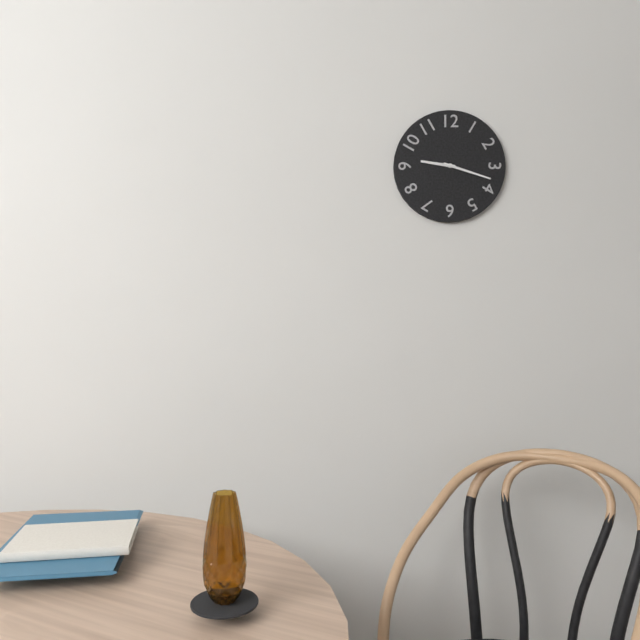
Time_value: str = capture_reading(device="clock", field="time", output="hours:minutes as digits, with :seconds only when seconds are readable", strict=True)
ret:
9:18
